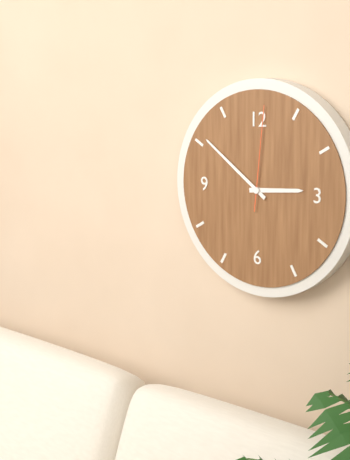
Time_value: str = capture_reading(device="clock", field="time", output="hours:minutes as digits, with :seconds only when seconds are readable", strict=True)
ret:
2:51:01
